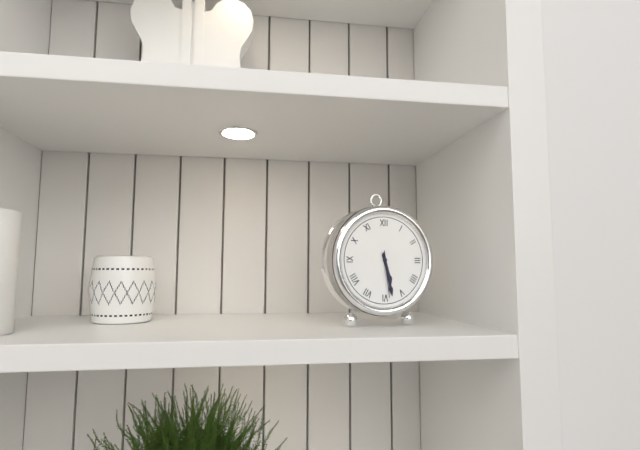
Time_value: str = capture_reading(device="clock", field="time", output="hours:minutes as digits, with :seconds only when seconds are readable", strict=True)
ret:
5:28
